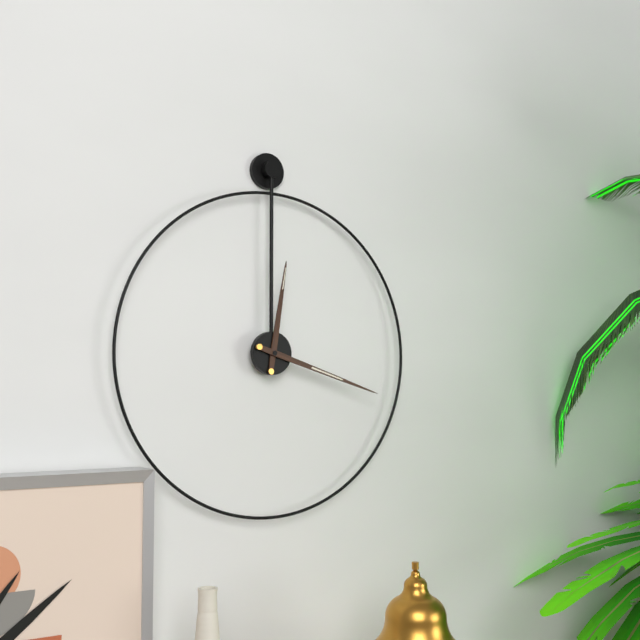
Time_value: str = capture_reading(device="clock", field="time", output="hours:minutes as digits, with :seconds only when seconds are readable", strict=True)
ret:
12:18
